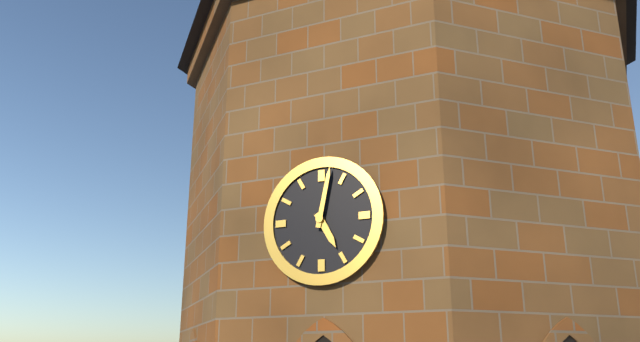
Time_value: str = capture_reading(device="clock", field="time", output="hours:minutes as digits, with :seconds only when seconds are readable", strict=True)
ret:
5:02
